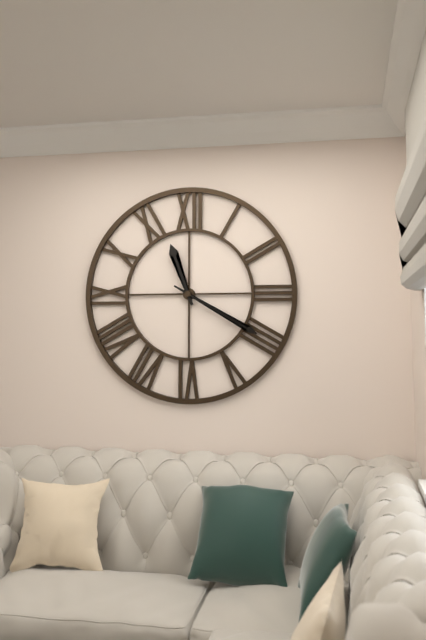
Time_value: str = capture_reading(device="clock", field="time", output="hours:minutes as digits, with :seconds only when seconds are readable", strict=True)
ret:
11:20
